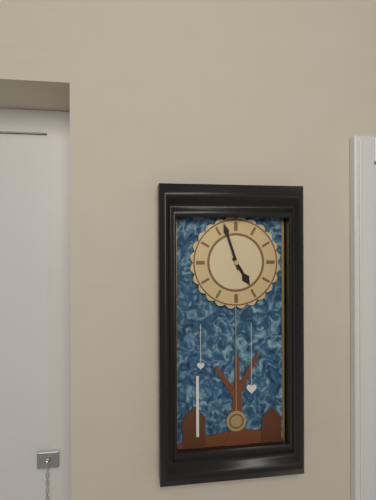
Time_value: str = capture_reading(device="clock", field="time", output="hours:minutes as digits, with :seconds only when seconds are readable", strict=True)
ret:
4:57
